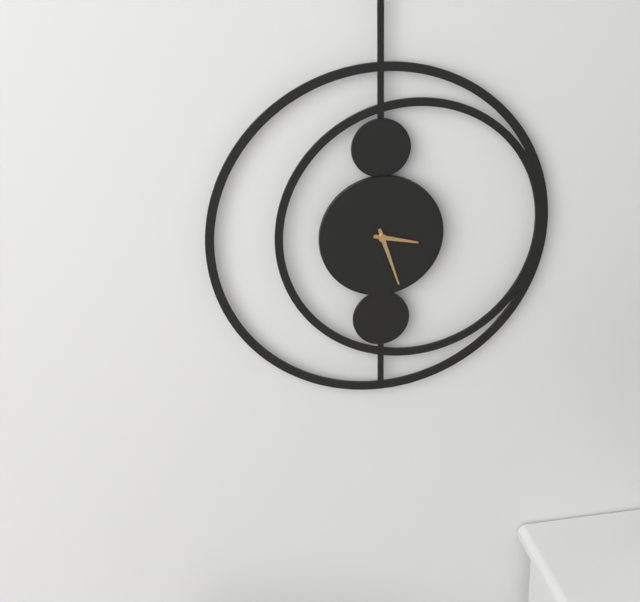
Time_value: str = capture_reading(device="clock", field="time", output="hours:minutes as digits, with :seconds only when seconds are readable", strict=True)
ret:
3:27
